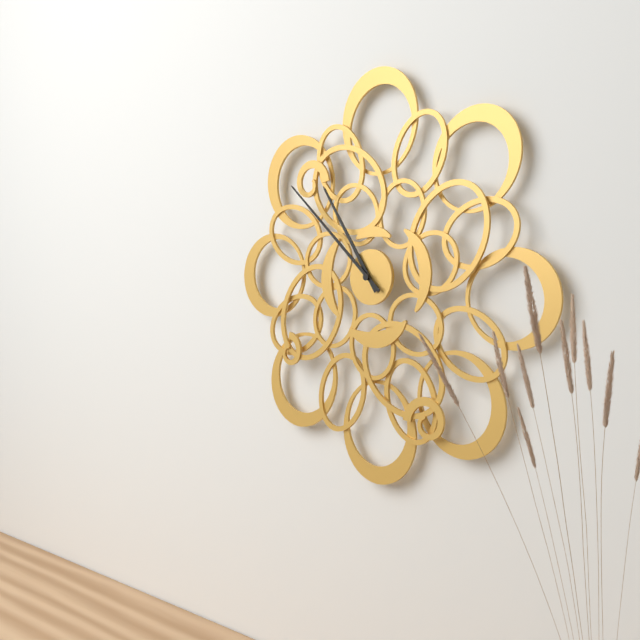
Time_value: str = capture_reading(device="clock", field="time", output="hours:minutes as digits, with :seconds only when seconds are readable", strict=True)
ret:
10:52
